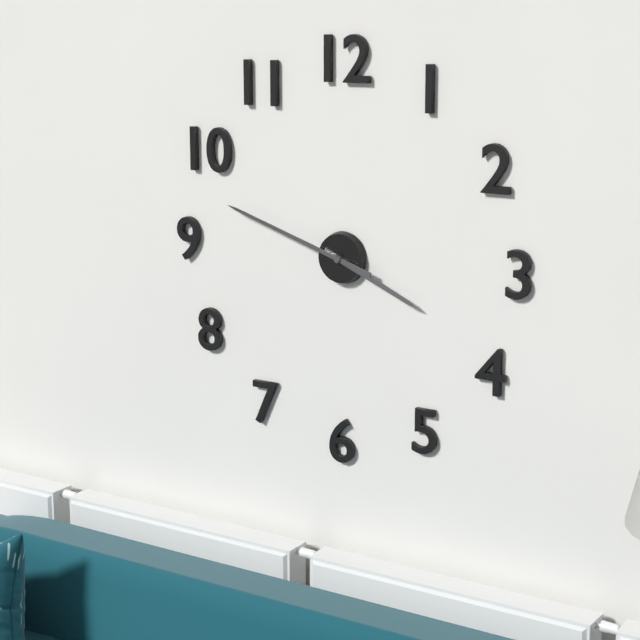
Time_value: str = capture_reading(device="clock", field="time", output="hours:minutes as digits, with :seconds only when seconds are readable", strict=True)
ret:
3:48
